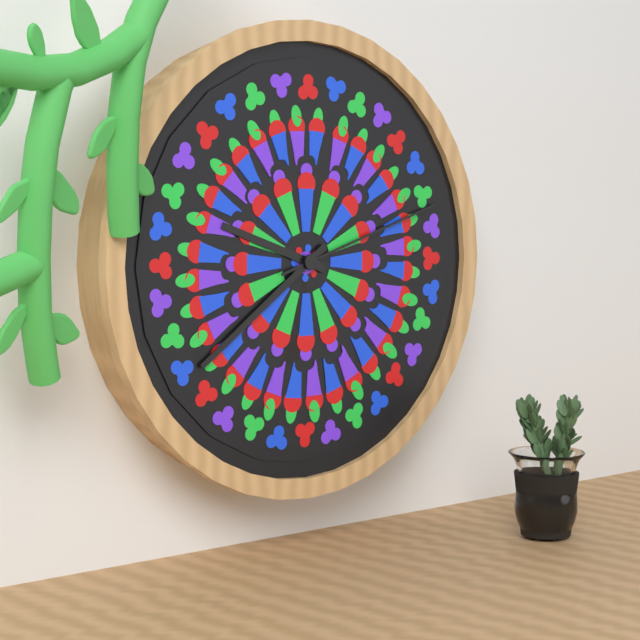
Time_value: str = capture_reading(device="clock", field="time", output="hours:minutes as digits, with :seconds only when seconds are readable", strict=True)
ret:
9:39:12
